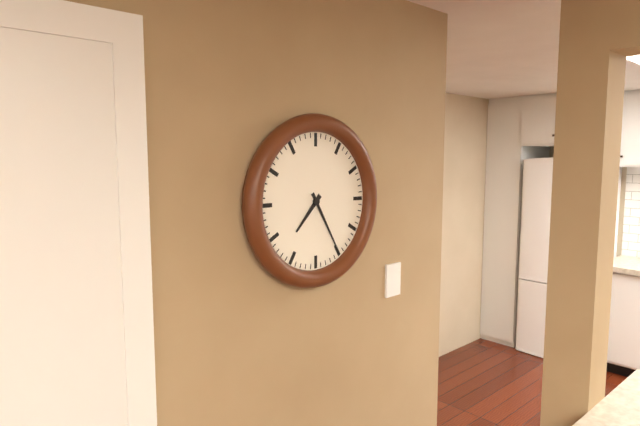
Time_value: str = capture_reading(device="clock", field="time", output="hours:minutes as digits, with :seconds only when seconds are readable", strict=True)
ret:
7:25
